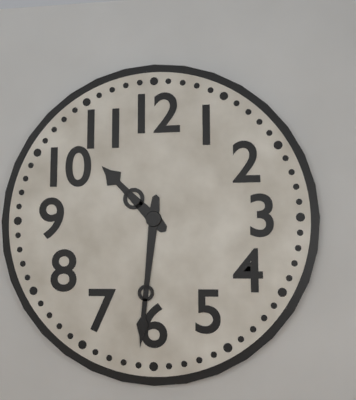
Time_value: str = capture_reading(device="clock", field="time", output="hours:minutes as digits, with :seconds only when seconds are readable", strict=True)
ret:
10:31
